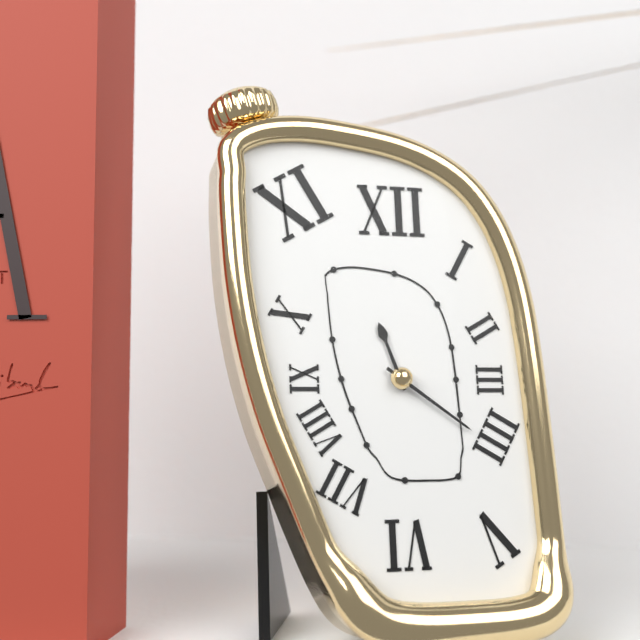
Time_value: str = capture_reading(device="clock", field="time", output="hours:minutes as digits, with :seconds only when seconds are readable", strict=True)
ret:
11:21
